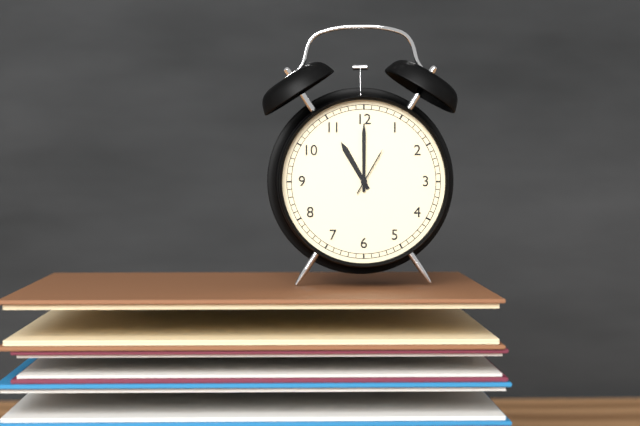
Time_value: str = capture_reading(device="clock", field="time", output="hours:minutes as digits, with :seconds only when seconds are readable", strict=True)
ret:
11:00
